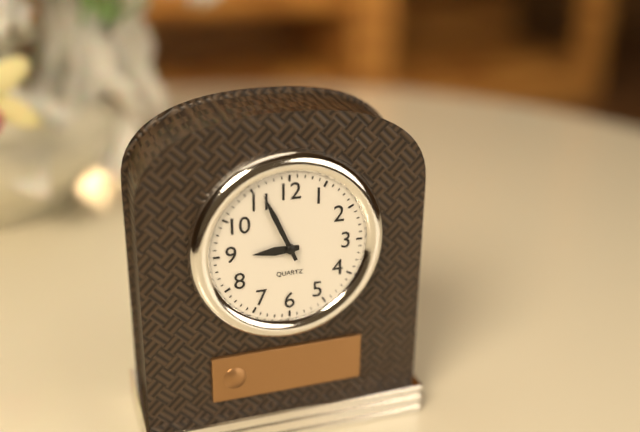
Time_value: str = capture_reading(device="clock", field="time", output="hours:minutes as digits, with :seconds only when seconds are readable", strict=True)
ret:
8:56
